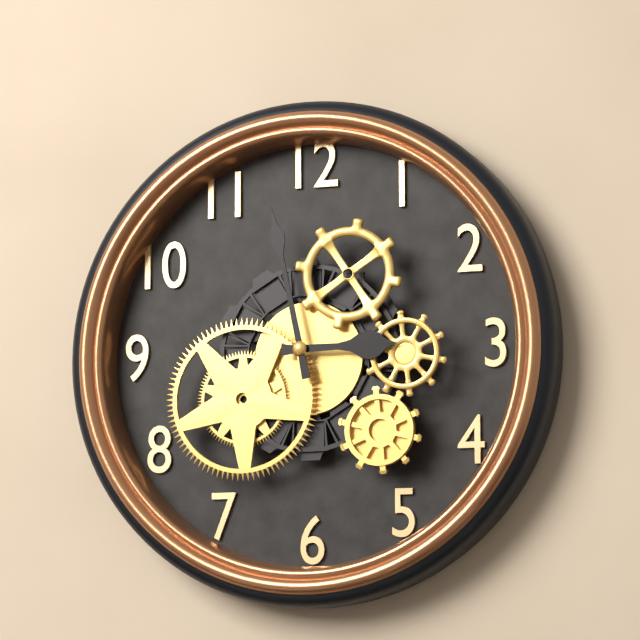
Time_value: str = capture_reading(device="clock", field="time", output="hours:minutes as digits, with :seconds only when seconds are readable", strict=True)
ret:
2:58
